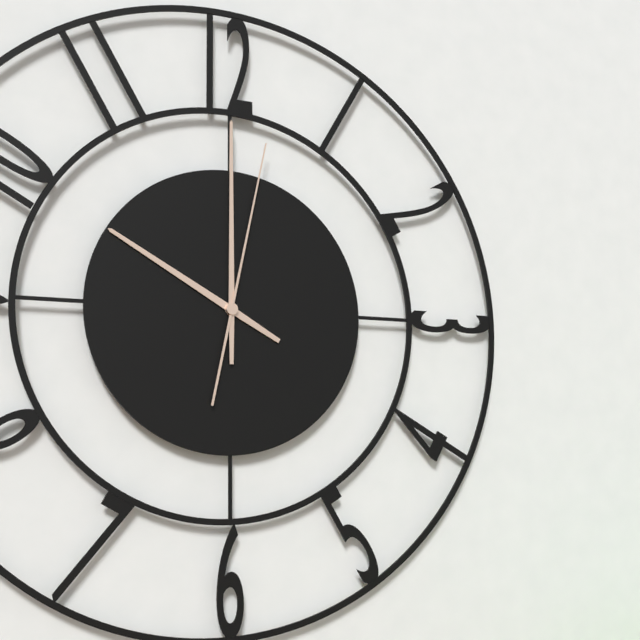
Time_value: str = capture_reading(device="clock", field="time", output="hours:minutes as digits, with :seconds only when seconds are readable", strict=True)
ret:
10:00:02
